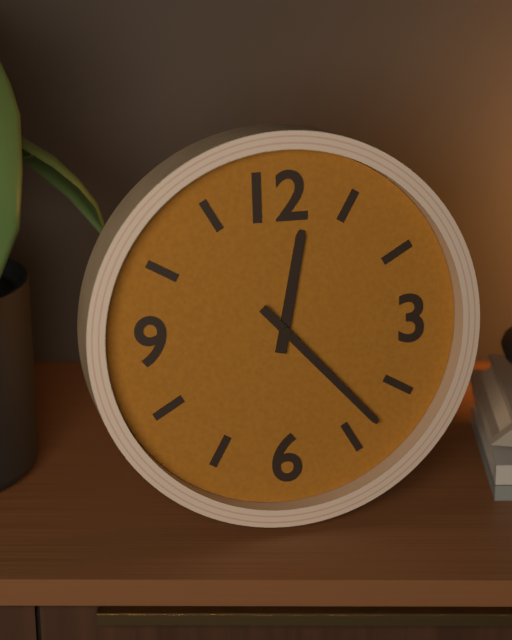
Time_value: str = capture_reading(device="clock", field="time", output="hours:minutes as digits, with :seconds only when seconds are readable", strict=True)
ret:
12:23
